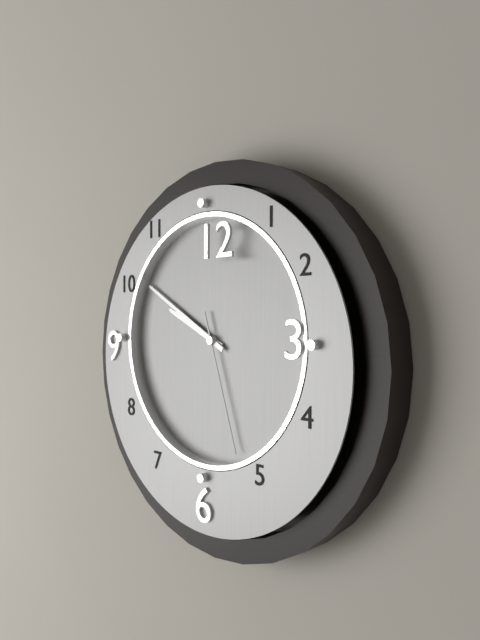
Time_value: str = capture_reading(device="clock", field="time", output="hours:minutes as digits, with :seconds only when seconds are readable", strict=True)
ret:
9:50:27
